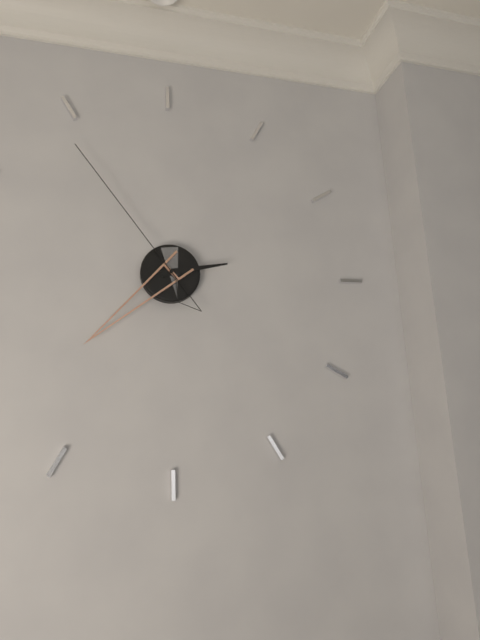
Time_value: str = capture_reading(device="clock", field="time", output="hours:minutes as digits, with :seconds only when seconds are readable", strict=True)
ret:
2:38:54
